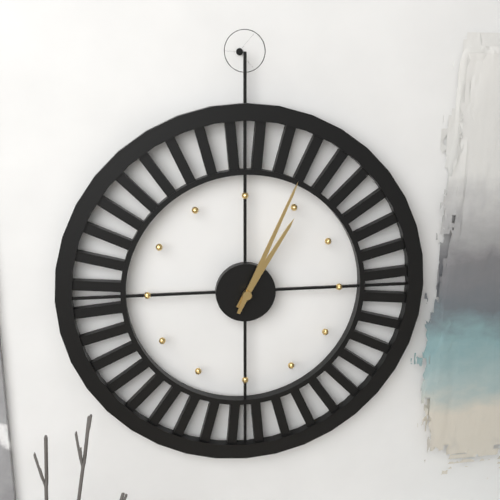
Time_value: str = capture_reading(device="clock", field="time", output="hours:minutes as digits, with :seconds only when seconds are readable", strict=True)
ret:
1:04
